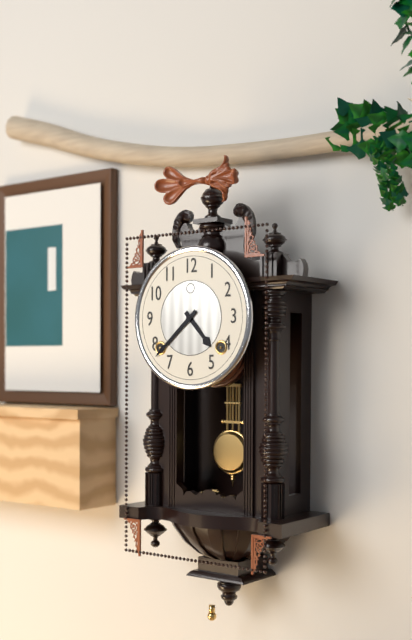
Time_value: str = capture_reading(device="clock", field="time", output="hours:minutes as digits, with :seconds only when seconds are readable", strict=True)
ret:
4:38
